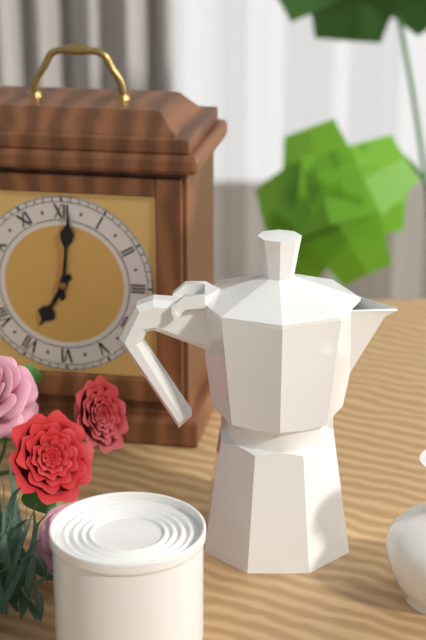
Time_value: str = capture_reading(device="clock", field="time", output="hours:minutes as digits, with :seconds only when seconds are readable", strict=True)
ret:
7:01
